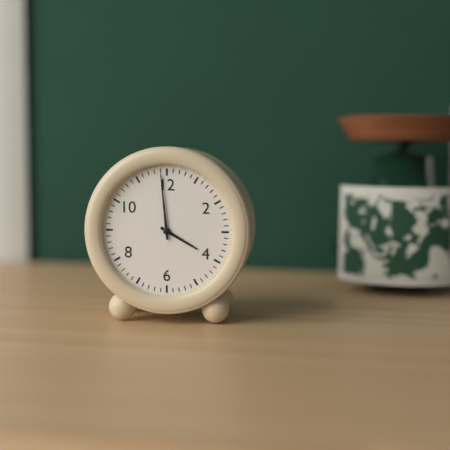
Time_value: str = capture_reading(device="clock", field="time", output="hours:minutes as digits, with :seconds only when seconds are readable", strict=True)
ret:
3:59
